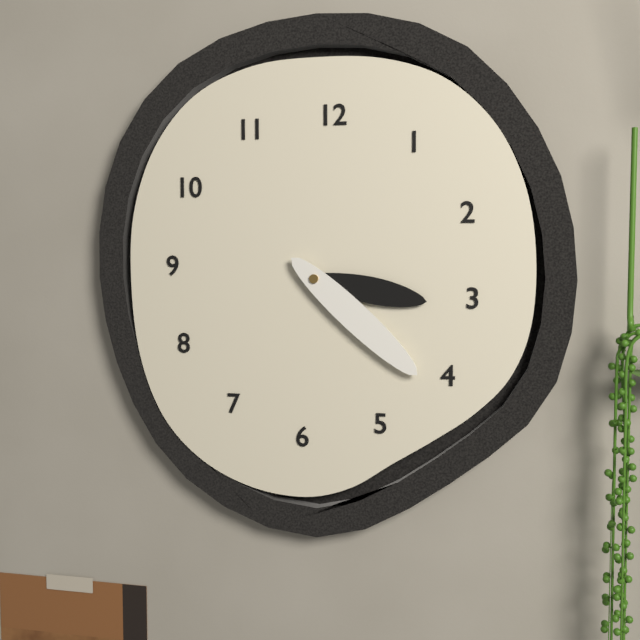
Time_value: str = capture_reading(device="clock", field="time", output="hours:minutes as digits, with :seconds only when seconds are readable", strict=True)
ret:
3:22
